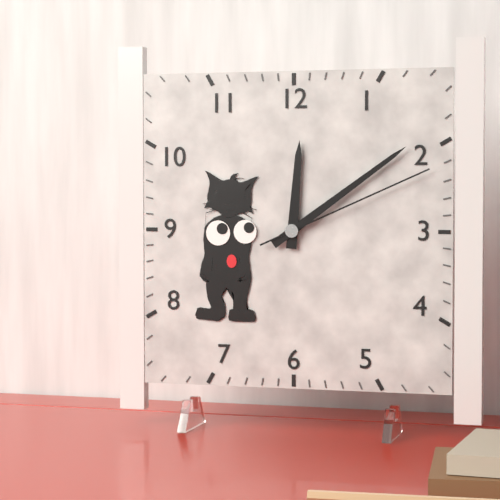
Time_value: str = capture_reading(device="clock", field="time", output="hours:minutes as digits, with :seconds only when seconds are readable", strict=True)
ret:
12:09:11
